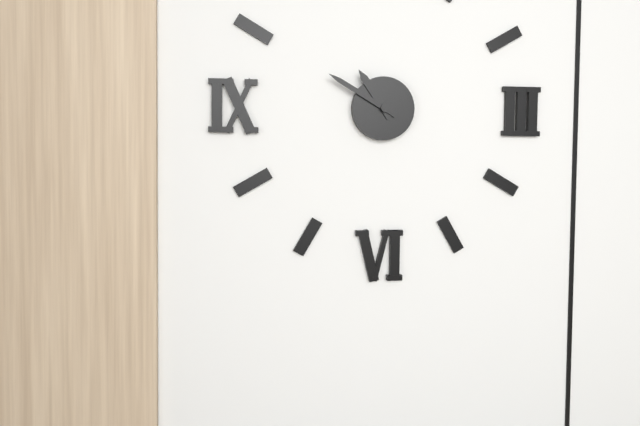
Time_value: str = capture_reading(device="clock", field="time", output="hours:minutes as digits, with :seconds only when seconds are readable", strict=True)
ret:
10:50
